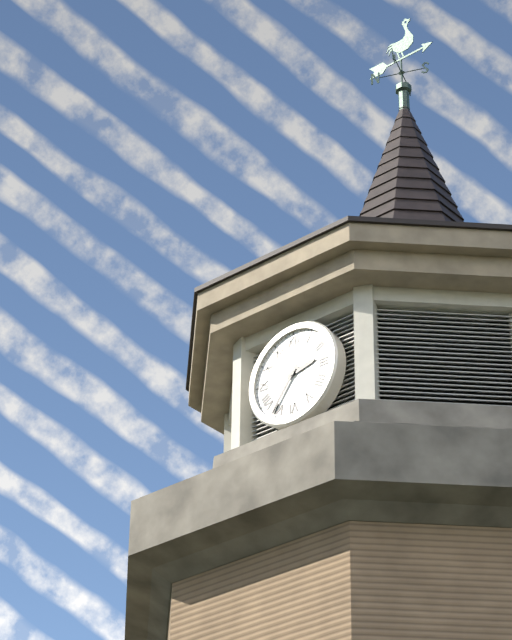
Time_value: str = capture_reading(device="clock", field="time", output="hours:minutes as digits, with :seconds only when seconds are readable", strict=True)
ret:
2:36
